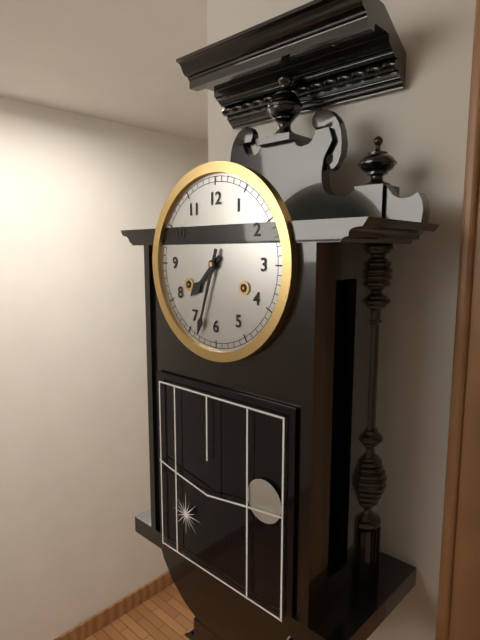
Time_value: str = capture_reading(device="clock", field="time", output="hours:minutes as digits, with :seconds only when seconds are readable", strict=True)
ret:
7:33
